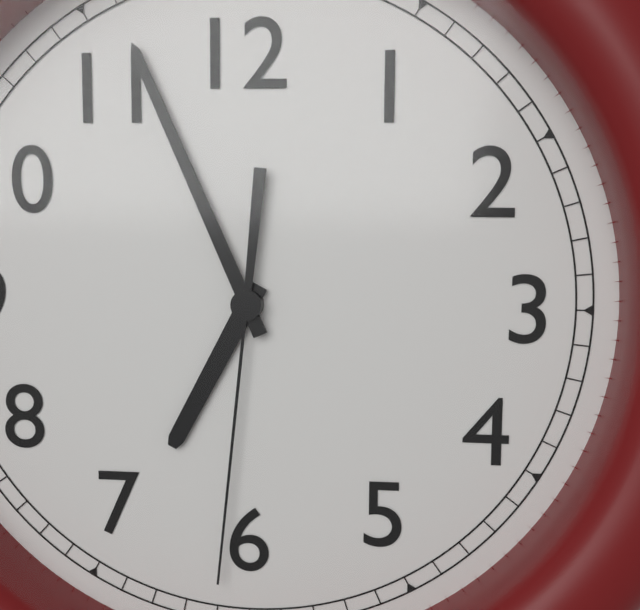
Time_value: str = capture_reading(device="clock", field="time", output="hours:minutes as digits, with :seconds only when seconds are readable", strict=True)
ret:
6:56:31
